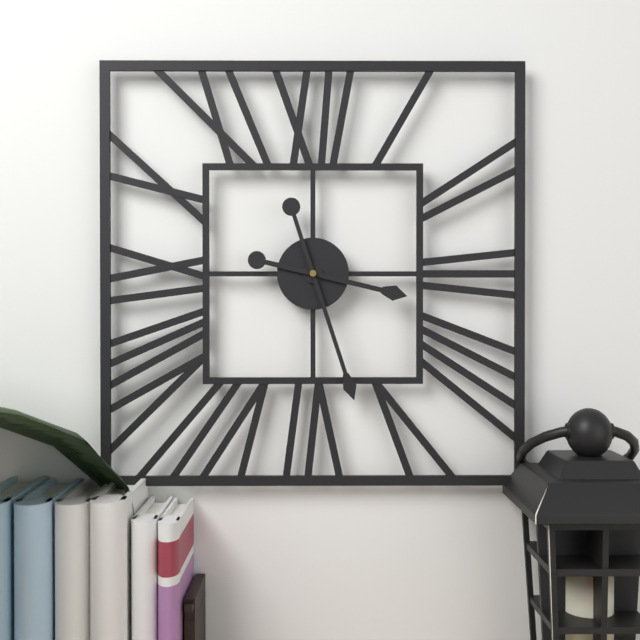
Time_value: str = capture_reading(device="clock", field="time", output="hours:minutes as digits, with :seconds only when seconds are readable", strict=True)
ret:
3:27
